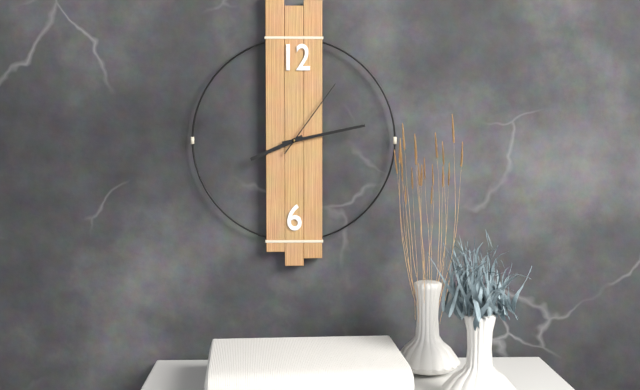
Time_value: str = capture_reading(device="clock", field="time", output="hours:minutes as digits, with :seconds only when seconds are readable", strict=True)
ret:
8:13:06
